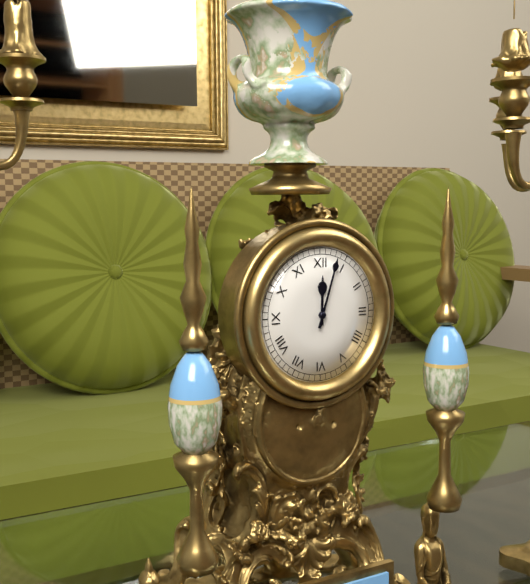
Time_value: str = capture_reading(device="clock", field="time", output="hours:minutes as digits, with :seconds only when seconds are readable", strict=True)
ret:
12:03
